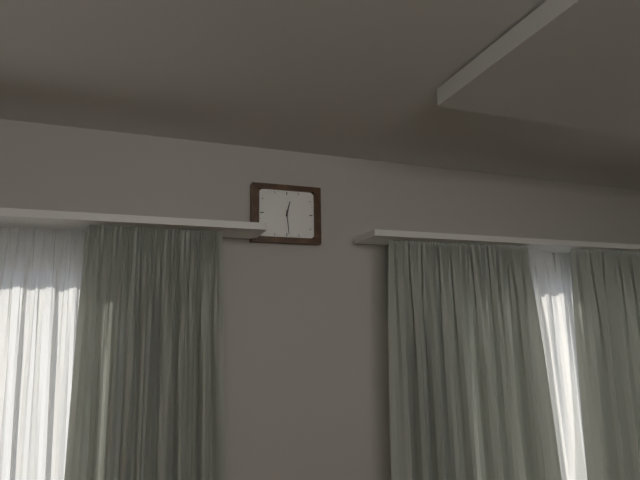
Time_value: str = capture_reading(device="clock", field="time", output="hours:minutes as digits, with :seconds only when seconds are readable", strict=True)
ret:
12:29
